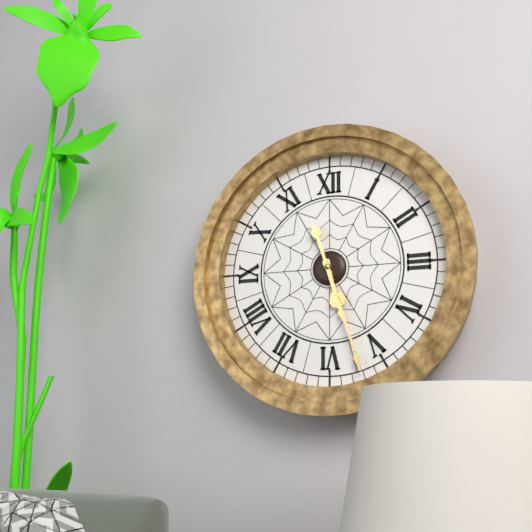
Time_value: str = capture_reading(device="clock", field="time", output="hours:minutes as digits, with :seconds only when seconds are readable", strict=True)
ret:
5:27
